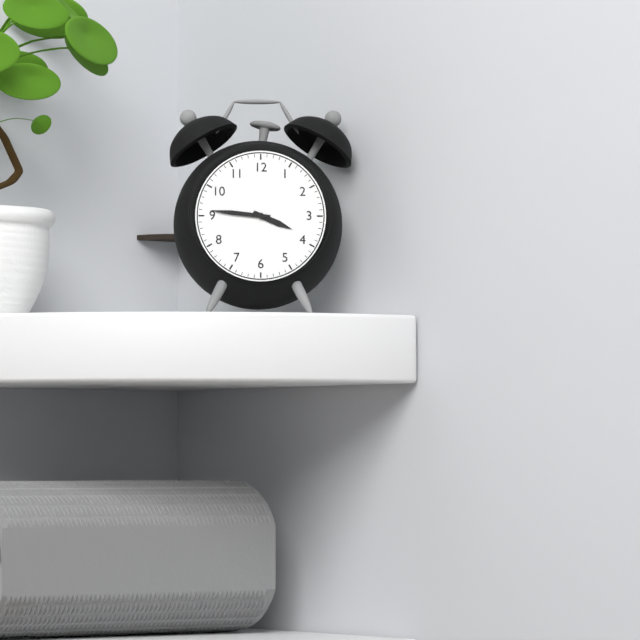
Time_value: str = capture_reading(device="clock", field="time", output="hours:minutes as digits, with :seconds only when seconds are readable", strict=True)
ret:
3:46
